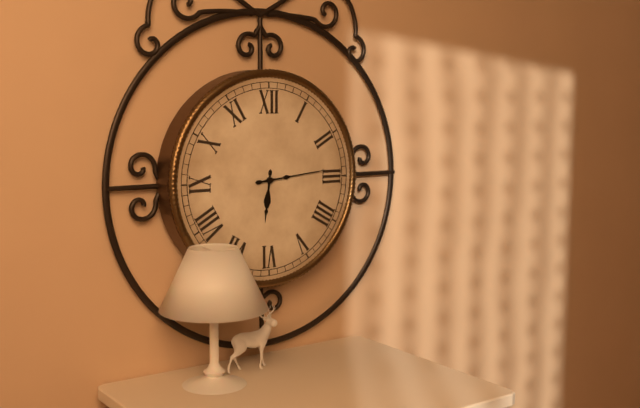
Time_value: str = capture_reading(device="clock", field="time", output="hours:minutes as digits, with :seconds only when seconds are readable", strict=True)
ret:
6:14
